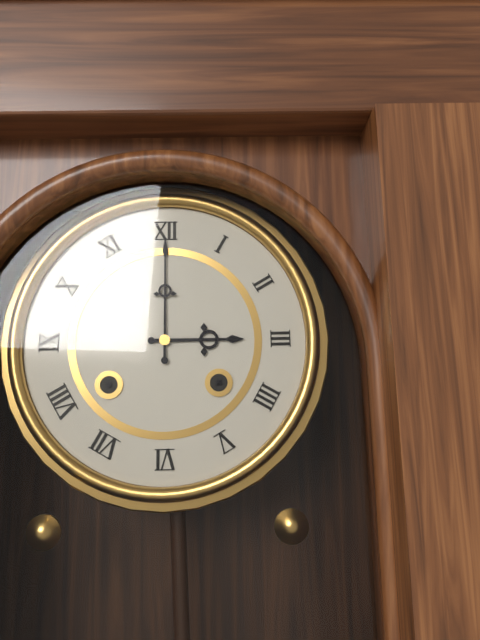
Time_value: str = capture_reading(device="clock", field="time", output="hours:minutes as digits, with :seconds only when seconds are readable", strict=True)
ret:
3:00
